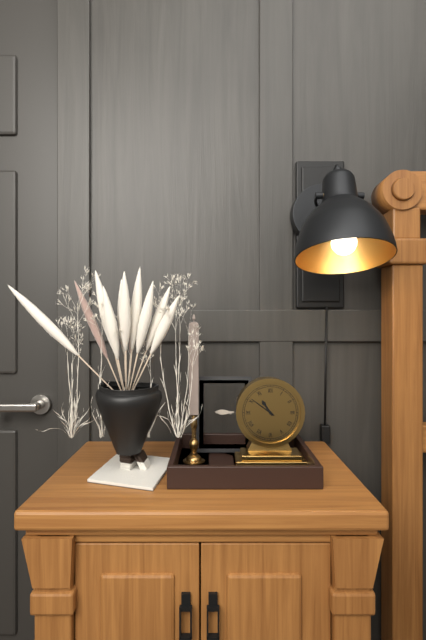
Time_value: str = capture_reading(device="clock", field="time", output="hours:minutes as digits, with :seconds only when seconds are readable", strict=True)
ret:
10:51
